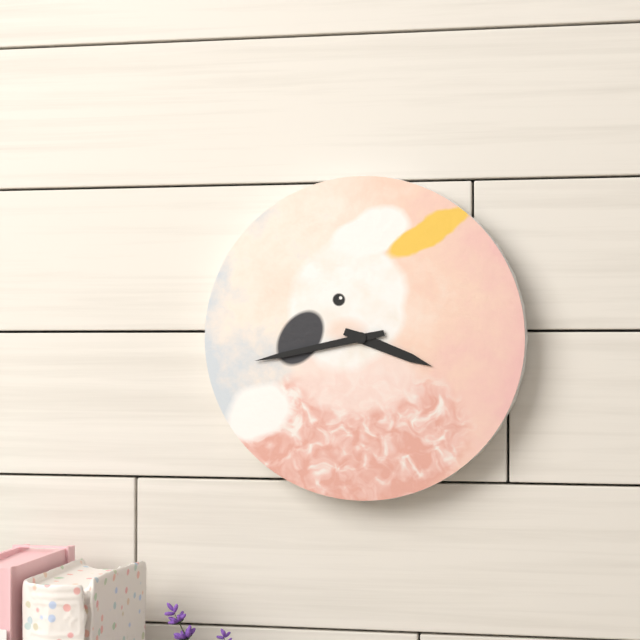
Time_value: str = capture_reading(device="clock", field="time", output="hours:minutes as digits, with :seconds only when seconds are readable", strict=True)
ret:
3:43
